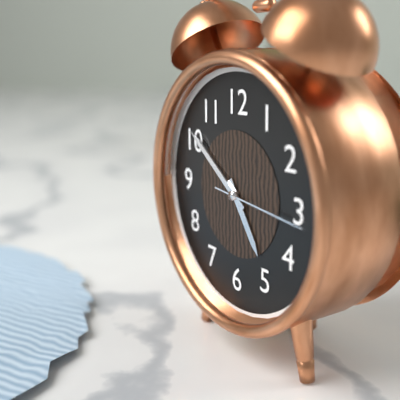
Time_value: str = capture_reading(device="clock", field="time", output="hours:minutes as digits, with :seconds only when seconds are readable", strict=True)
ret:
4:51:16
